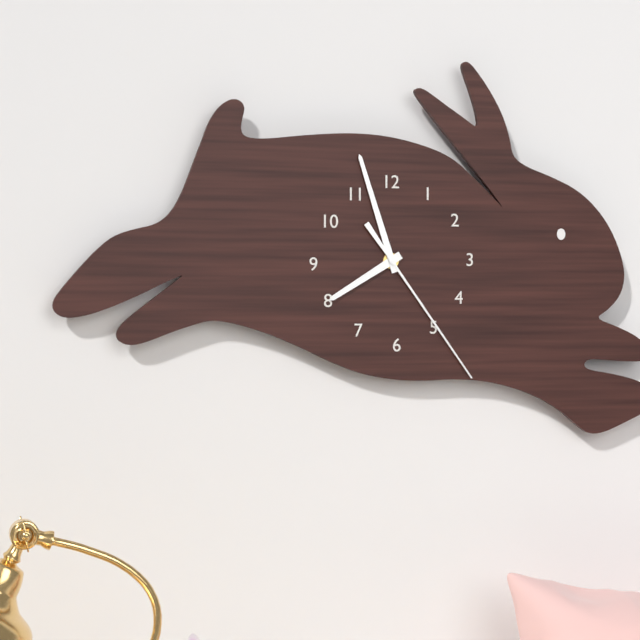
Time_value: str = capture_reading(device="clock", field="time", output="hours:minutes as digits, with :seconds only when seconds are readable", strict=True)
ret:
7:57:24
